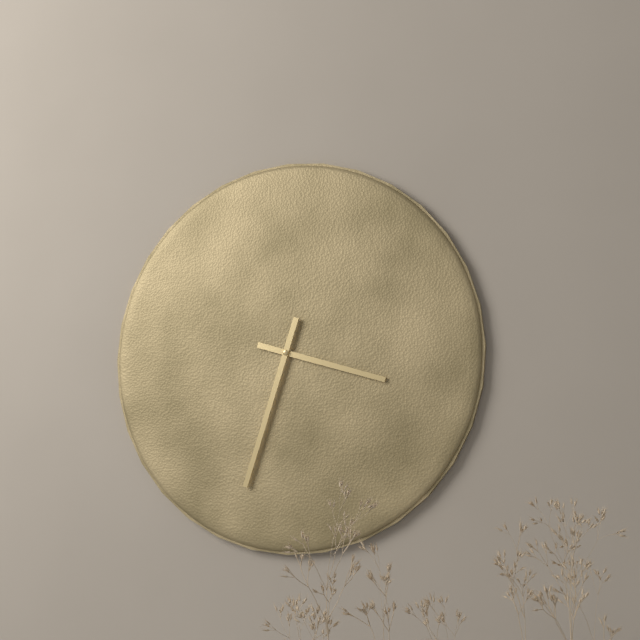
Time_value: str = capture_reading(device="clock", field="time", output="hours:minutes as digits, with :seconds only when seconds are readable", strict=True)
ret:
3:33
